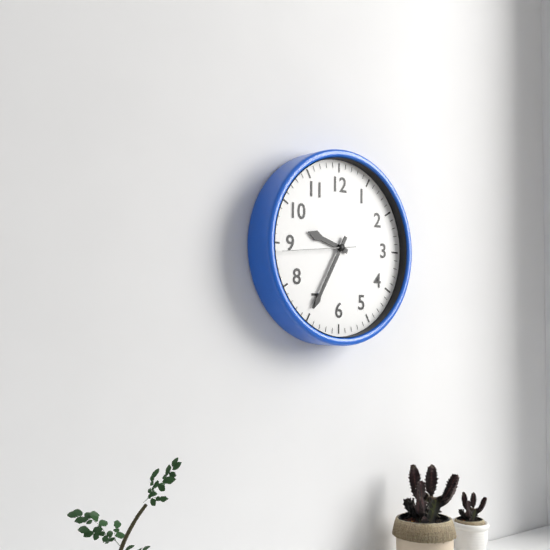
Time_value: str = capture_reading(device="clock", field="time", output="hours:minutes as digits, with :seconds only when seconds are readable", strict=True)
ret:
9:35:44
